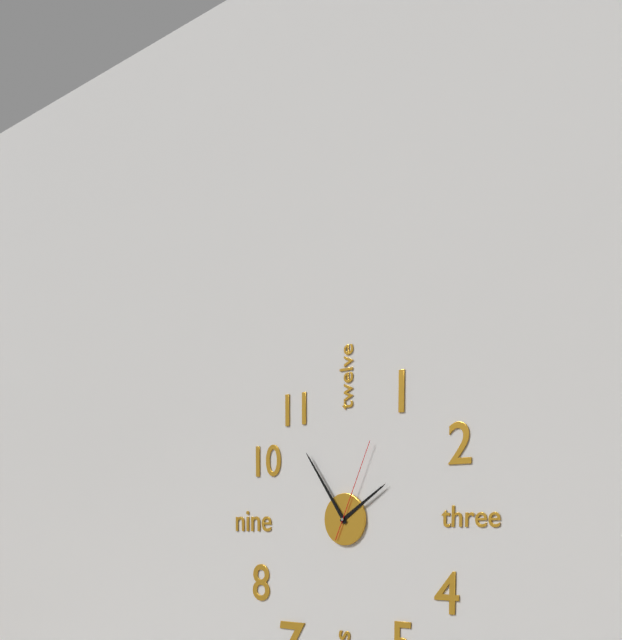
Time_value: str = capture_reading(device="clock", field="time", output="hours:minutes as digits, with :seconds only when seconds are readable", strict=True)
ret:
1:54:04
